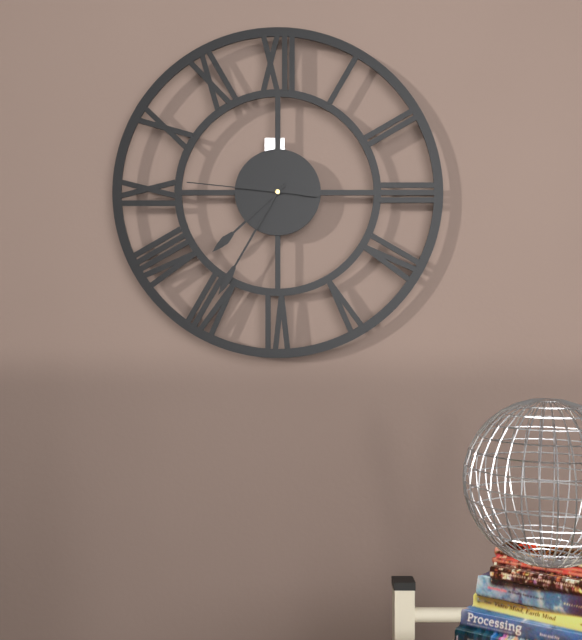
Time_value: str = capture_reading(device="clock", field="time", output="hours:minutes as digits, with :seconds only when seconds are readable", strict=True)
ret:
7:35:46
